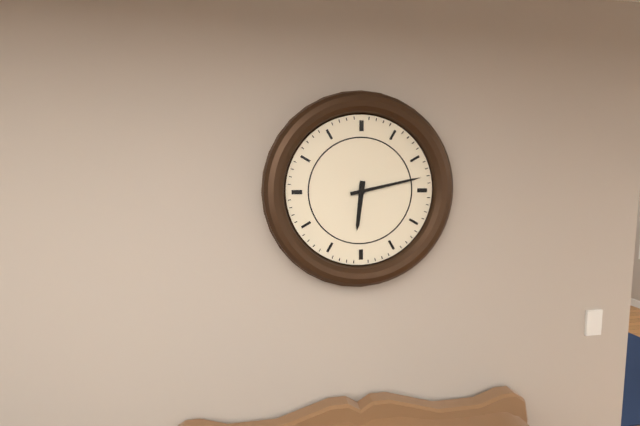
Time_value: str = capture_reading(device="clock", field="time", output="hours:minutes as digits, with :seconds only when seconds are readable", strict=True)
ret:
6:13
